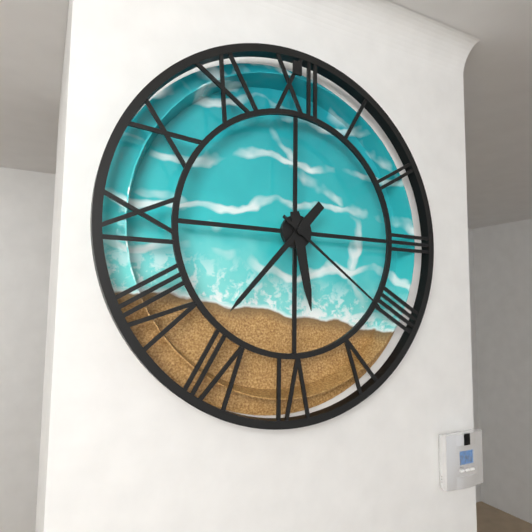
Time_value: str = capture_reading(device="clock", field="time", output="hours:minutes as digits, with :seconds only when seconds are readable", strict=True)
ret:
5:37:21
